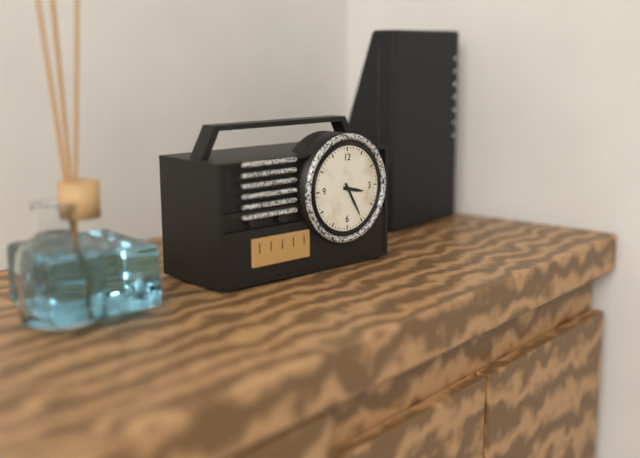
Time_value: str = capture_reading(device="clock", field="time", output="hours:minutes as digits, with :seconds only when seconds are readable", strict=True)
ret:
3:25
